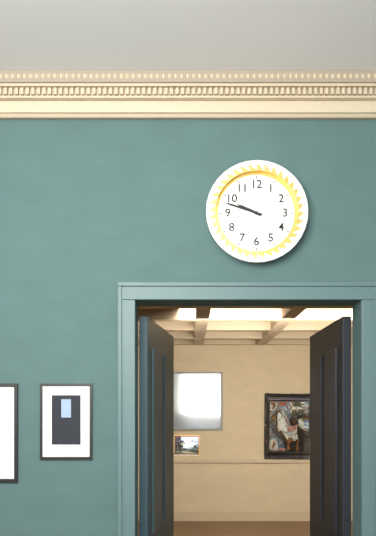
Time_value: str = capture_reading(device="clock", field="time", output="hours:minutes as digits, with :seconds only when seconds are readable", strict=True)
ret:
9:48
